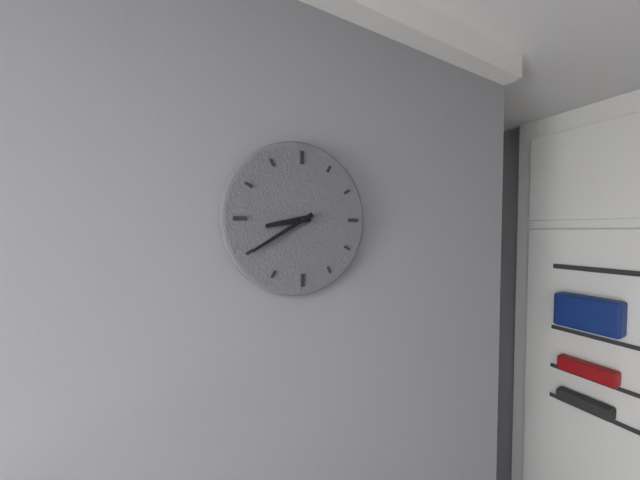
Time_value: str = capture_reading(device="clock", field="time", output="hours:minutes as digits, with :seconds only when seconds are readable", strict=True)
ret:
8:40
